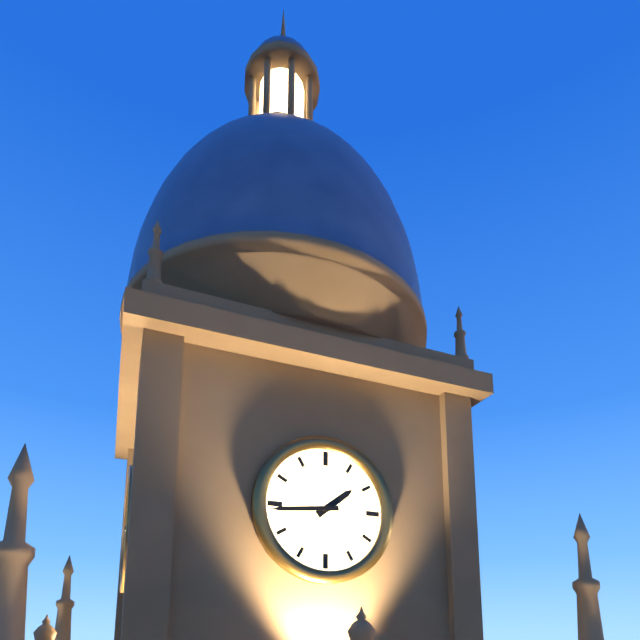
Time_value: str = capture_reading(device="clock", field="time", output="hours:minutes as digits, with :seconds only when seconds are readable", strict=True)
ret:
1:44
